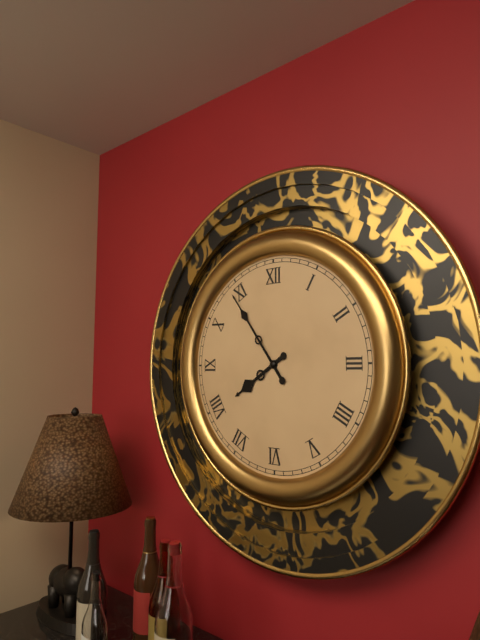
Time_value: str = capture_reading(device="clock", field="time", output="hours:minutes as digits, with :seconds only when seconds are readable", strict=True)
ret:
7:54
